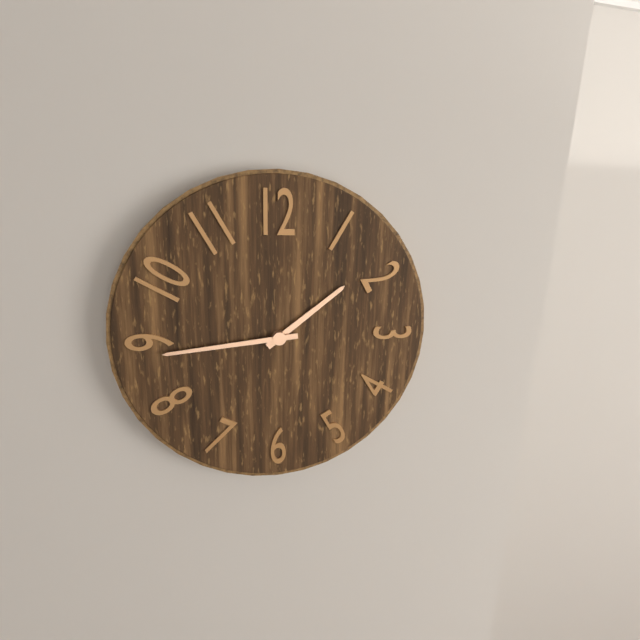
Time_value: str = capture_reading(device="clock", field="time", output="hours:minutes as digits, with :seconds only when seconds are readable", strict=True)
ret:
1:44
